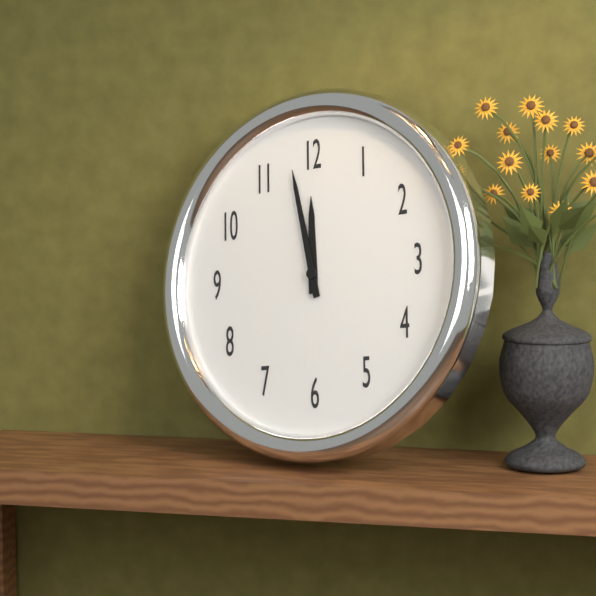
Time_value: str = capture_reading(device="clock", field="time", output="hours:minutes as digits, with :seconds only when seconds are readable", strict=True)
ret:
11:58
